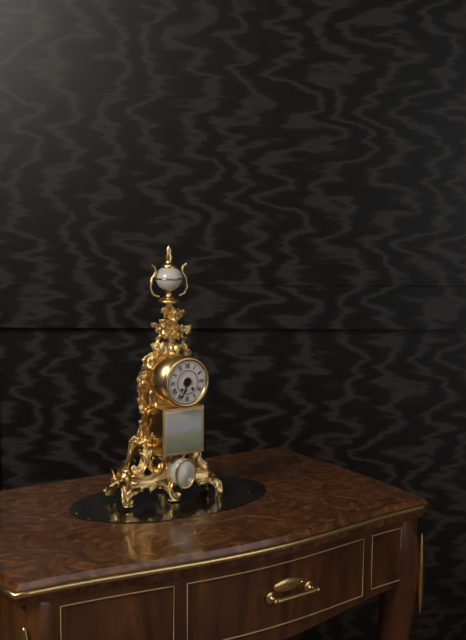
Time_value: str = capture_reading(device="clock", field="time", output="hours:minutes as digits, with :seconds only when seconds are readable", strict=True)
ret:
6:34
